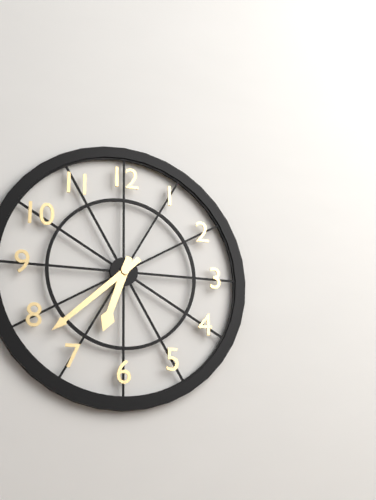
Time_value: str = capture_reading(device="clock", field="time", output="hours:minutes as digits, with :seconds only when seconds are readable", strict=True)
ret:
6:38
